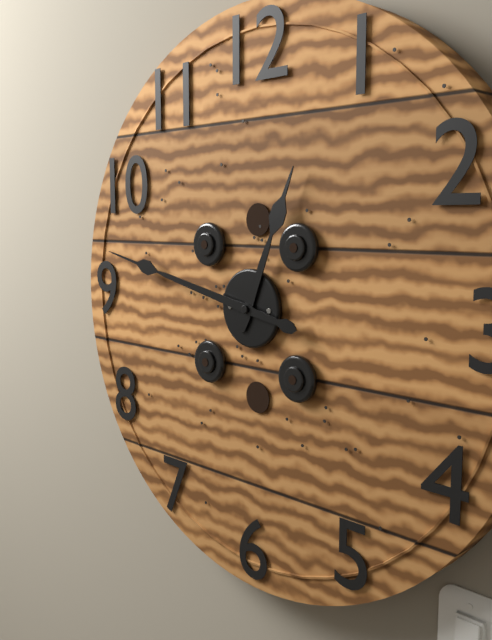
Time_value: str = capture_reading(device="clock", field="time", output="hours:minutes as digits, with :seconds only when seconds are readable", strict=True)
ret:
12:47
